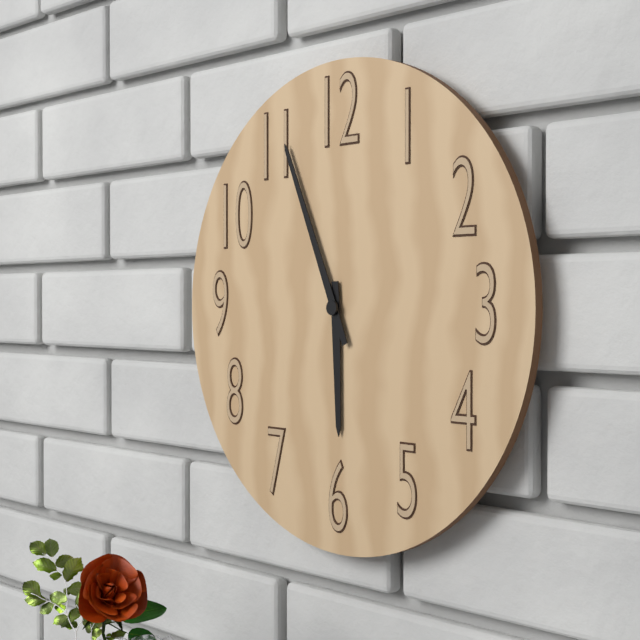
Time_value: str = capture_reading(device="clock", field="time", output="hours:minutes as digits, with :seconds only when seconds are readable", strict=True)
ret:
5:56
